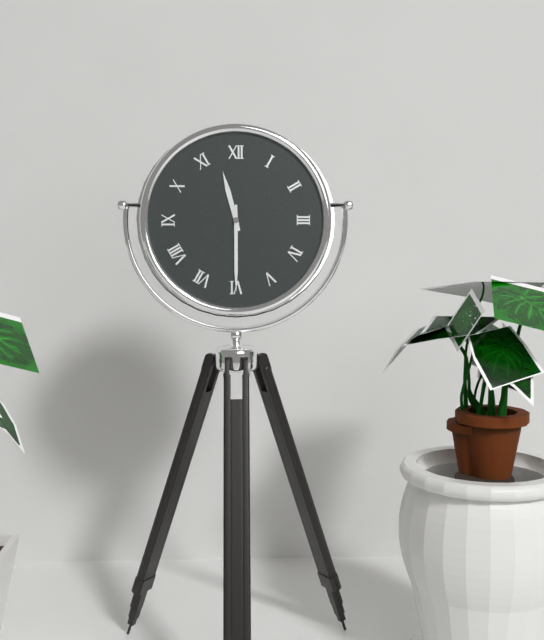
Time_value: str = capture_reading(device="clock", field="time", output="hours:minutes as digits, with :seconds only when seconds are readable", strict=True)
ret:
11:30
